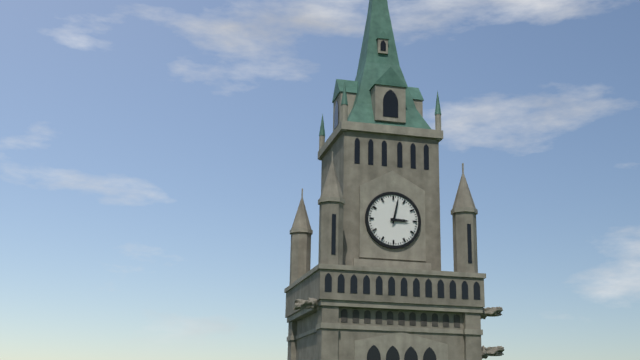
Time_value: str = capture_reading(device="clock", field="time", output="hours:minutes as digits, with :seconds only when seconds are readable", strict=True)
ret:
3:02
